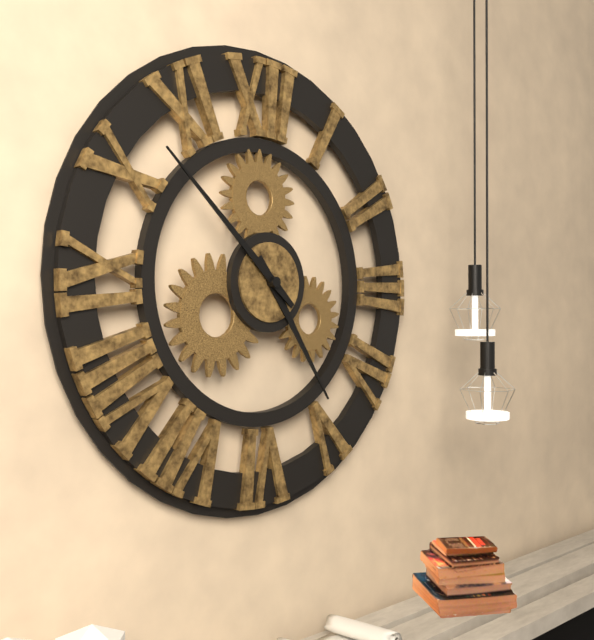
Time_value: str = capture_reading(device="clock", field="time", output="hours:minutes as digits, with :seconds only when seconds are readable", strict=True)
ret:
4:52
